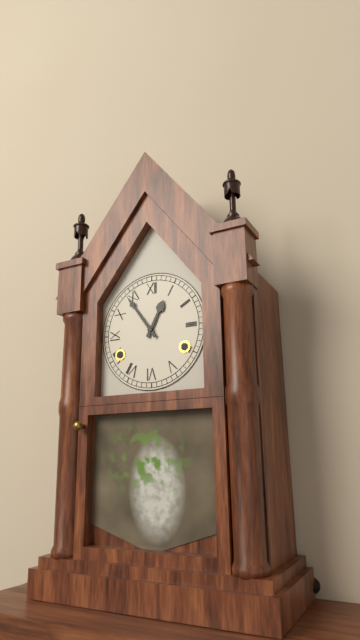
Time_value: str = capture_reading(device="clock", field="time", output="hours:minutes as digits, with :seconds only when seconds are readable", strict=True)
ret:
12:54
